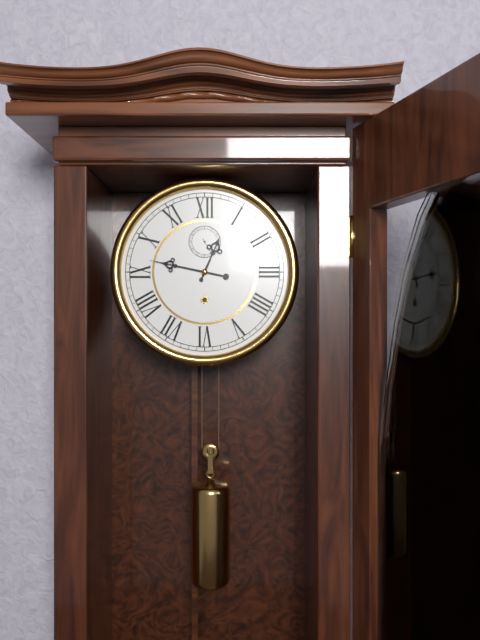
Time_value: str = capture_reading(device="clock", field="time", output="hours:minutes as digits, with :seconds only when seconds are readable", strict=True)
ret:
12:47
